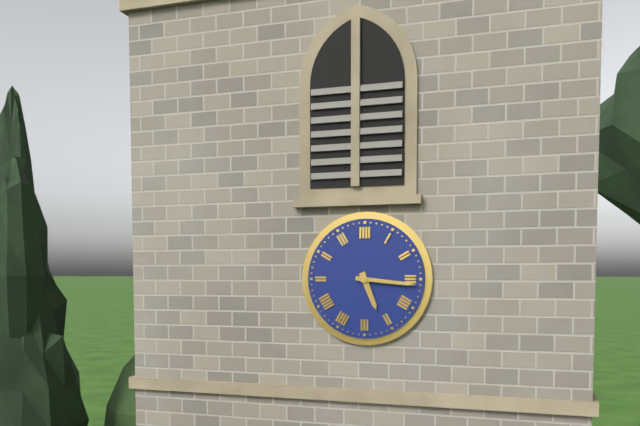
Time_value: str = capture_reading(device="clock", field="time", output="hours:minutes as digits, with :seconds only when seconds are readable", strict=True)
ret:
5:16
